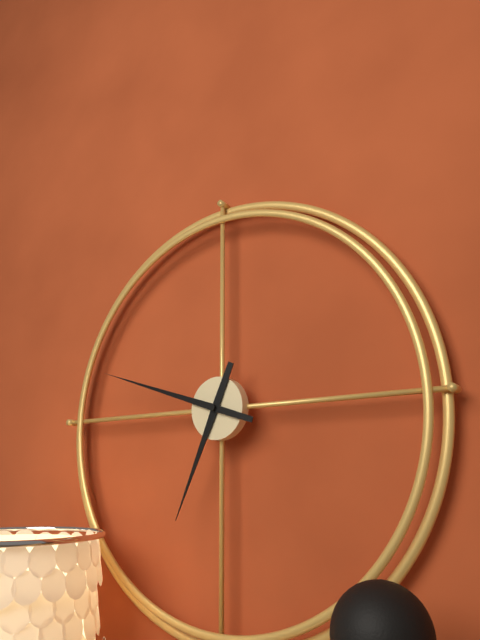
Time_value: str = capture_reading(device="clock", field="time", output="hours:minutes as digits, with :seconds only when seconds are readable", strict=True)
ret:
6:48
